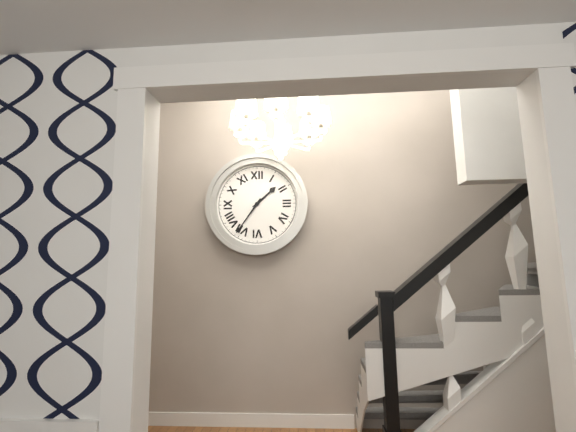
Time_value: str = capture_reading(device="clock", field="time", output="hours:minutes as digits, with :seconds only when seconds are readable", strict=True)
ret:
1:36
